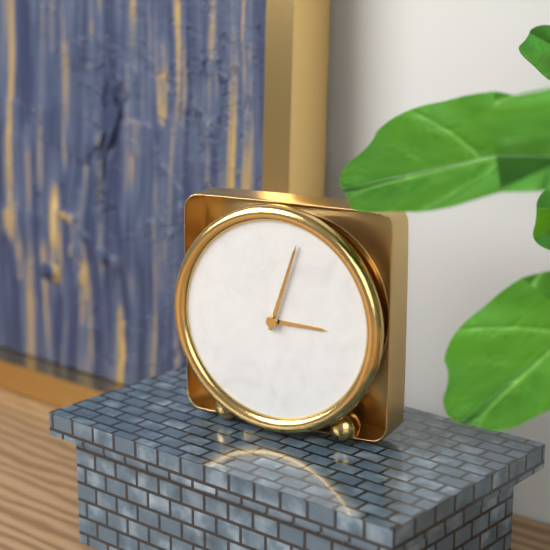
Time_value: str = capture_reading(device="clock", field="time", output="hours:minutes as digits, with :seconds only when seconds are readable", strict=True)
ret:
3:03
